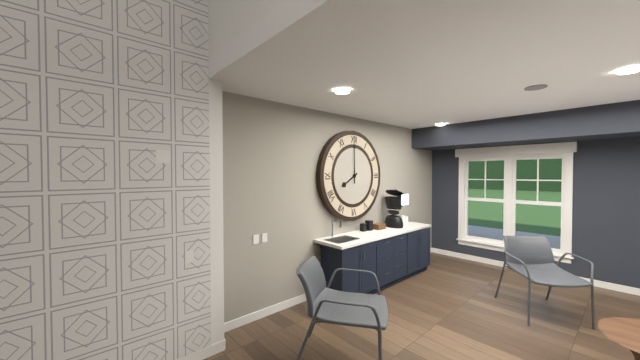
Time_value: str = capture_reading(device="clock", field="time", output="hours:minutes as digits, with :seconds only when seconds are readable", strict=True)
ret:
8:00
